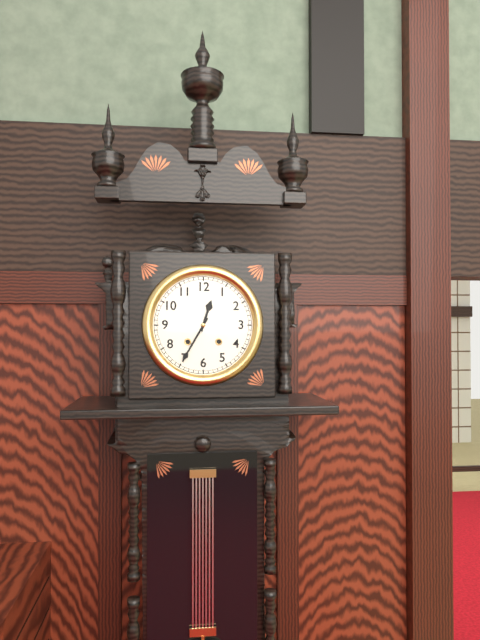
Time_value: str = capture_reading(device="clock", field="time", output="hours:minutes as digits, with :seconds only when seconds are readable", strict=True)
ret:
12:35
